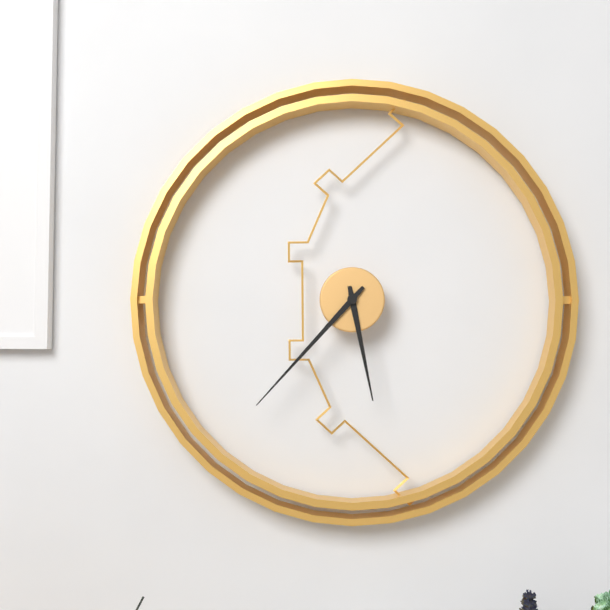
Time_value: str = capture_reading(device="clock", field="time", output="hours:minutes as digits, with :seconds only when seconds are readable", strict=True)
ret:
5:37
